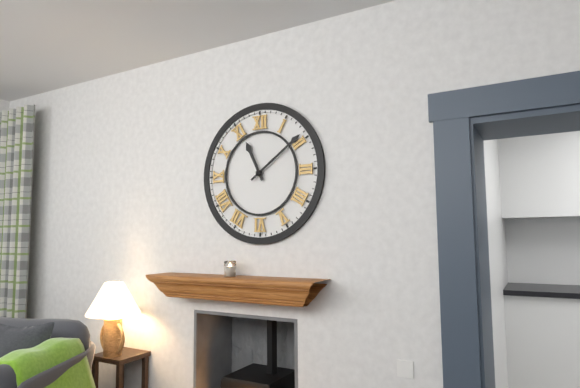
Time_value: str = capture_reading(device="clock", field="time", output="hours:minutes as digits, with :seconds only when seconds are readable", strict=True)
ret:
11:09
